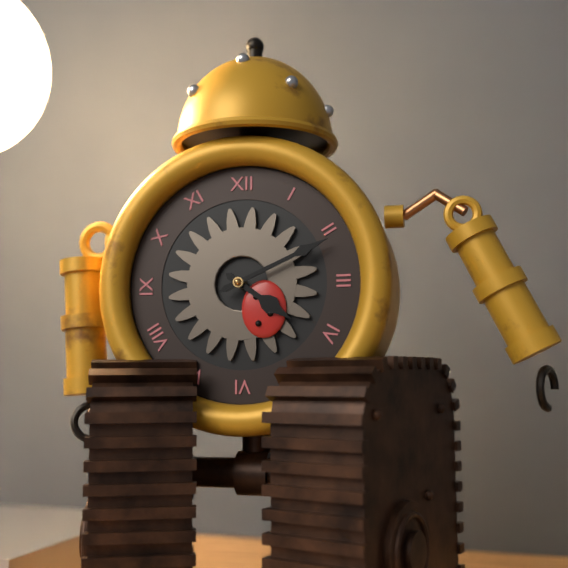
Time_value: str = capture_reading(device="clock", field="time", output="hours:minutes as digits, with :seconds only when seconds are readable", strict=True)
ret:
4:11
